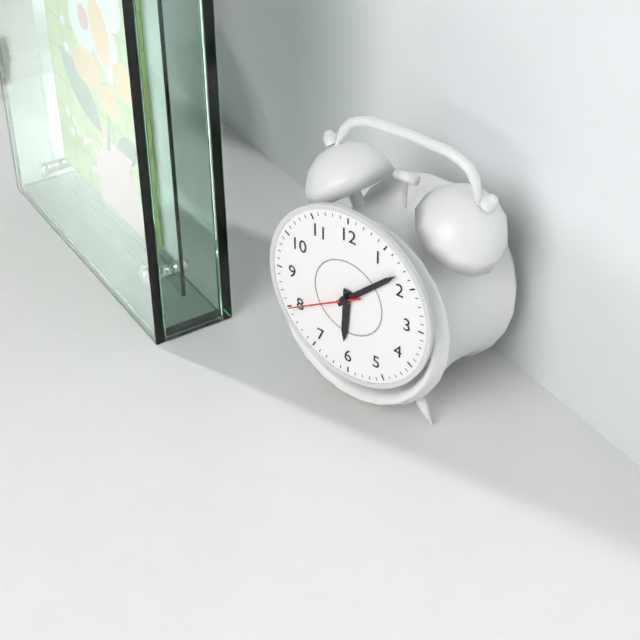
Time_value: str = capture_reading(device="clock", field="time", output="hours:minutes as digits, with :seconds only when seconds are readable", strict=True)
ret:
6:08:40
